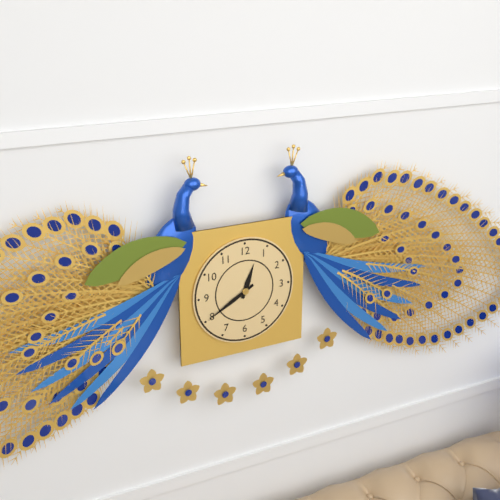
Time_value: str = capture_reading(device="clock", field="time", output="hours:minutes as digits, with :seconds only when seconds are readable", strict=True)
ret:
12:40
